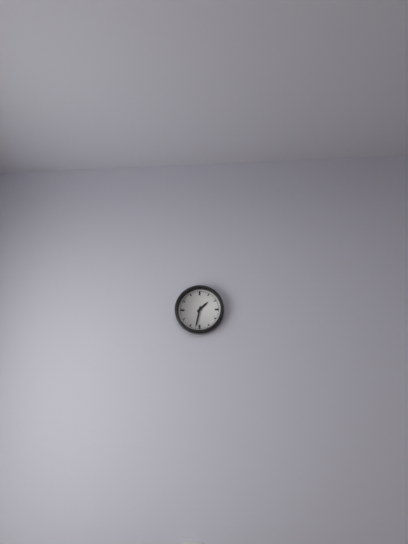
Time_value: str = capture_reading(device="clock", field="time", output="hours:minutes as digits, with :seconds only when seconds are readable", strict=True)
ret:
1:32
